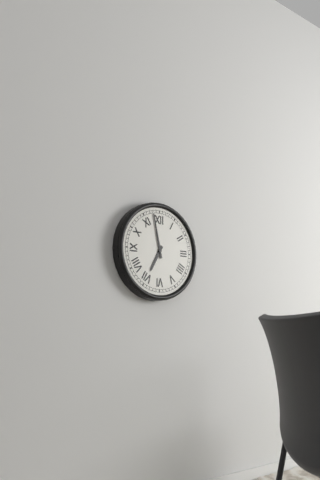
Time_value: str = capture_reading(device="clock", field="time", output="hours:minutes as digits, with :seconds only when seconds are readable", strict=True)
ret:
6:58
